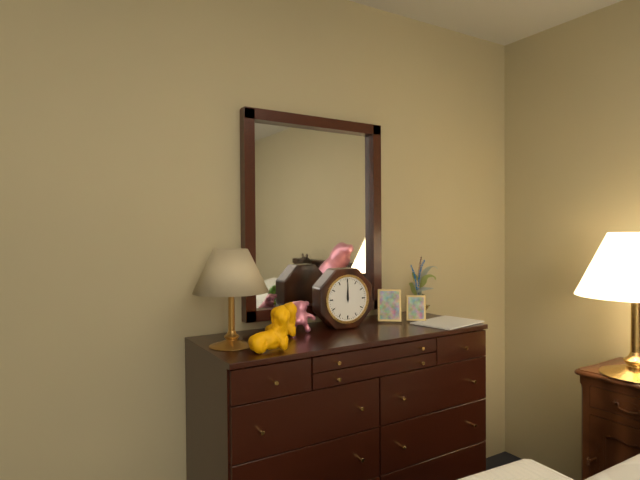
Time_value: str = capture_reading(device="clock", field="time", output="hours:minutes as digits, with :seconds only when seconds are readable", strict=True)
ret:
12:00
